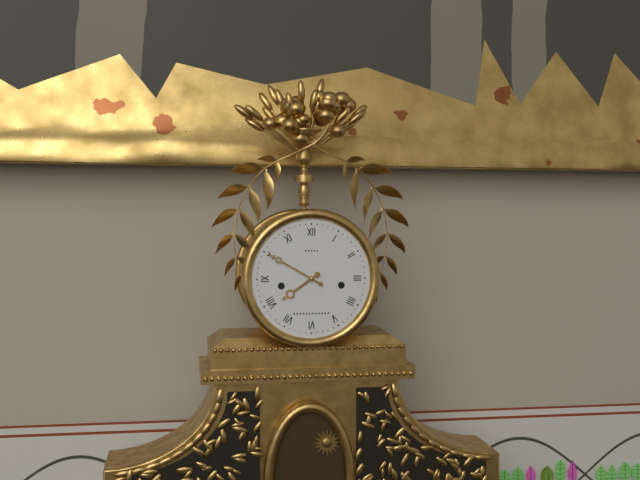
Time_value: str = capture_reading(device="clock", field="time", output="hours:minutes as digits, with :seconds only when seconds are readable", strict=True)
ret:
7:50
